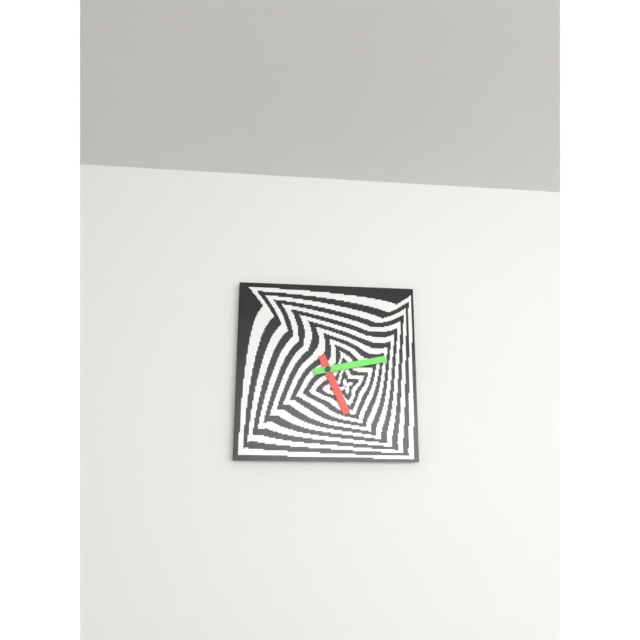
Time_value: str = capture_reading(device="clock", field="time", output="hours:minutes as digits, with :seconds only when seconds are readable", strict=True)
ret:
5:13
